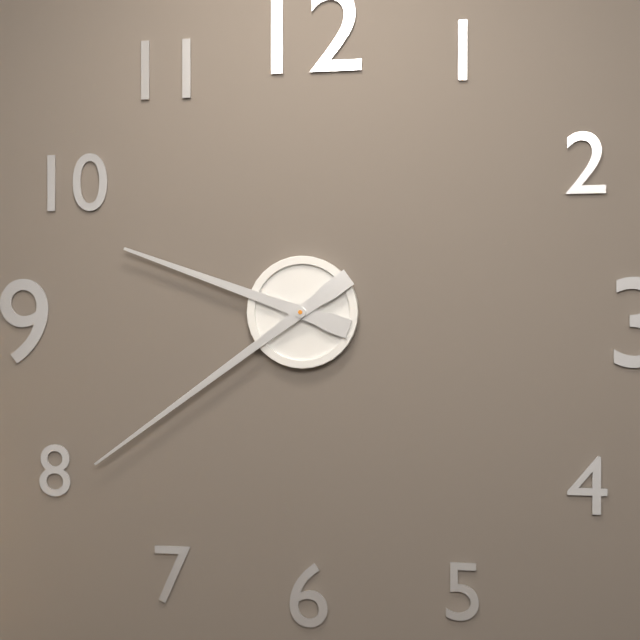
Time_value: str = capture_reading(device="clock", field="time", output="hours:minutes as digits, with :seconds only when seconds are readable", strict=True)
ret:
9:39
